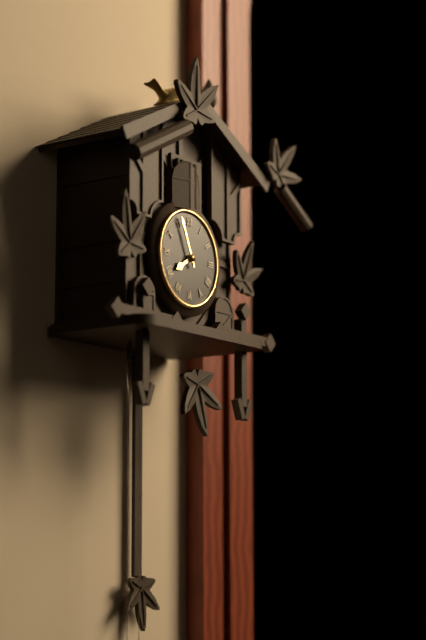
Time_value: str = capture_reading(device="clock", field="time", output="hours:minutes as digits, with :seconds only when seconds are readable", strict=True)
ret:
7:56
